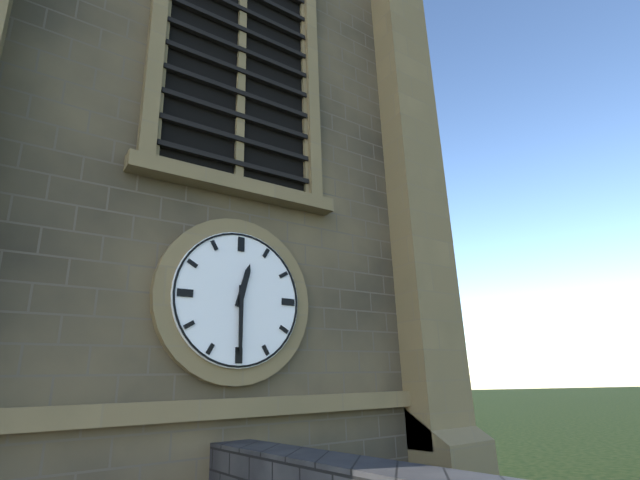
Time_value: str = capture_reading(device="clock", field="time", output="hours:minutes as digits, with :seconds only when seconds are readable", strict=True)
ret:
12:30
